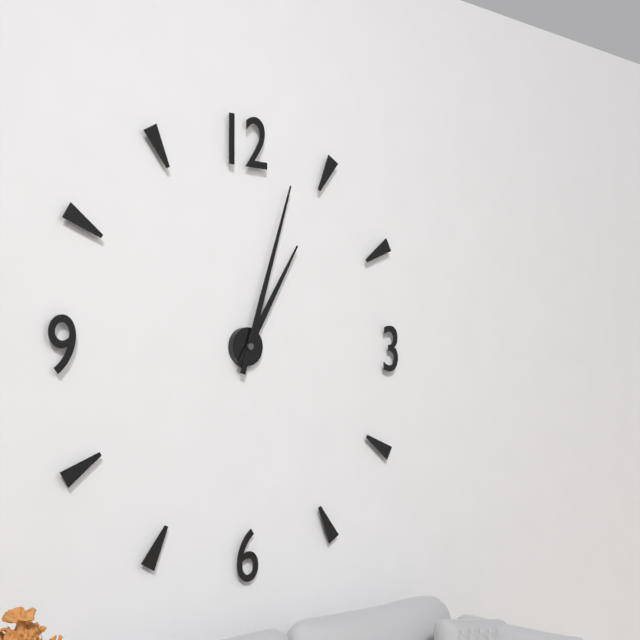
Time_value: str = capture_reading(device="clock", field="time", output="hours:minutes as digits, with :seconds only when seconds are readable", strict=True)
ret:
1:03
